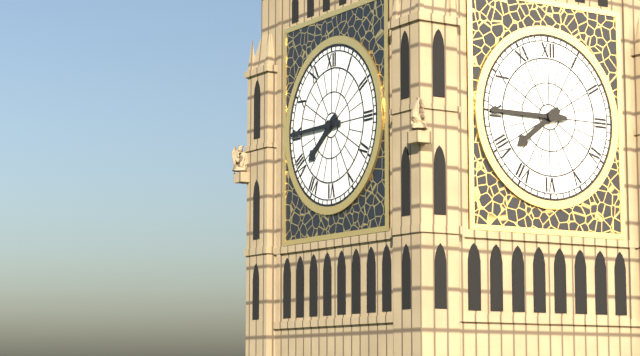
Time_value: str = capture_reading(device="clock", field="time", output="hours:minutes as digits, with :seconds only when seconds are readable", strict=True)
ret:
7:45
